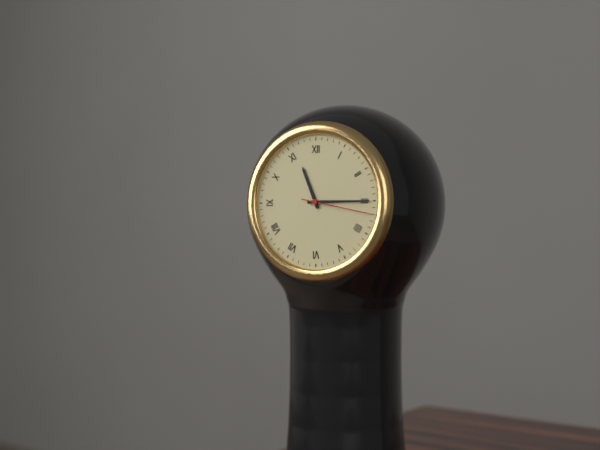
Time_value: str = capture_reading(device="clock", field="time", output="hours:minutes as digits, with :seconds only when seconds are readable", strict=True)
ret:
11:15:17
